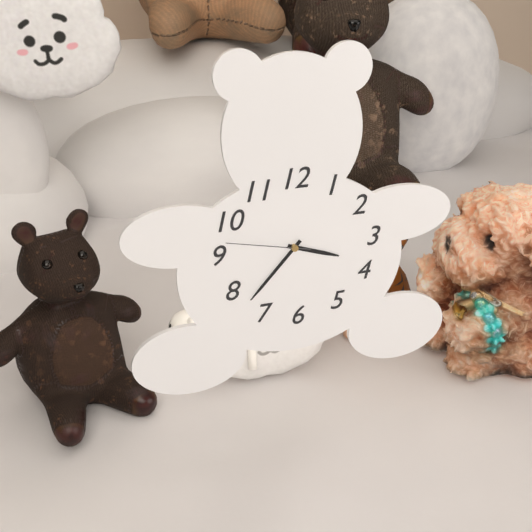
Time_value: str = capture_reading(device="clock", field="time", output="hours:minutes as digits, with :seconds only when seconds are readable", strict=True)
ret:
3:37:47
